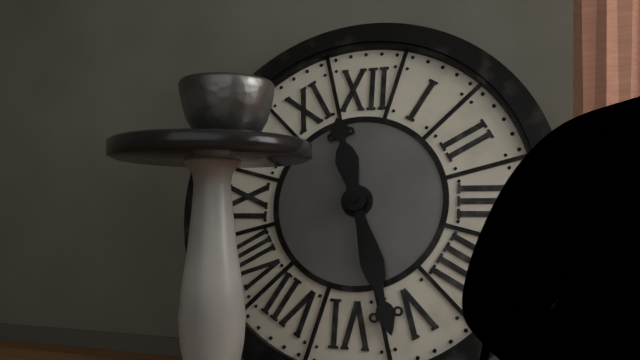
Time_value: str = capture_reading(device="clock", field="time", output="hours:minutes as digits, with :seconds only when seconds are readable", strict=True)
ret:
11:27
